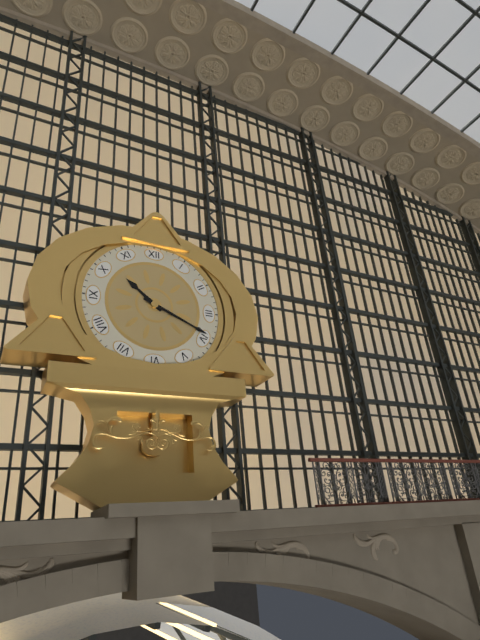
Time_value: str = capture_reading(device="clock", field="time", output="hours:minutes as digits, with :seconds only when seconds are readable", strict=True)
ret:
10:19
